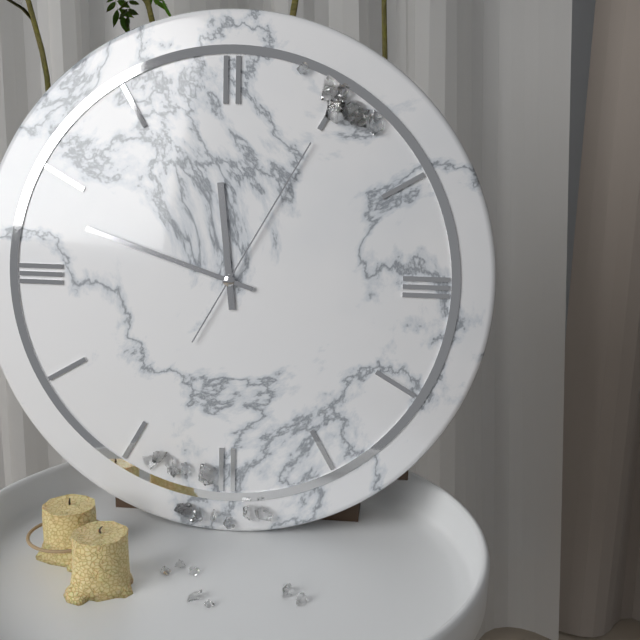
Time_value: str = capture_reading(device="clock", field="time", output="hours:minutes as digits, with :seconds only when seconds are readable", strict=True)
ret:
11:48:05
